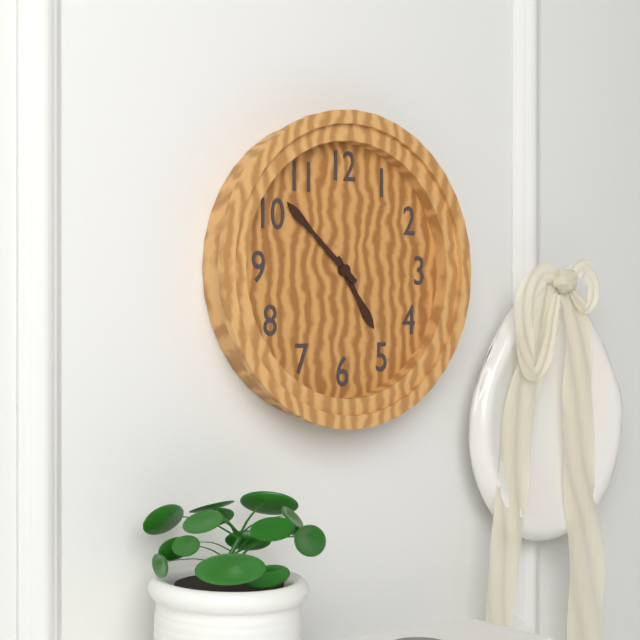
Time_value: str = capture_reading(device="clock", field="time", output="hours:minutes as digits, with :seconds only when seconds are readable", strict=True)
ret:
4:52
